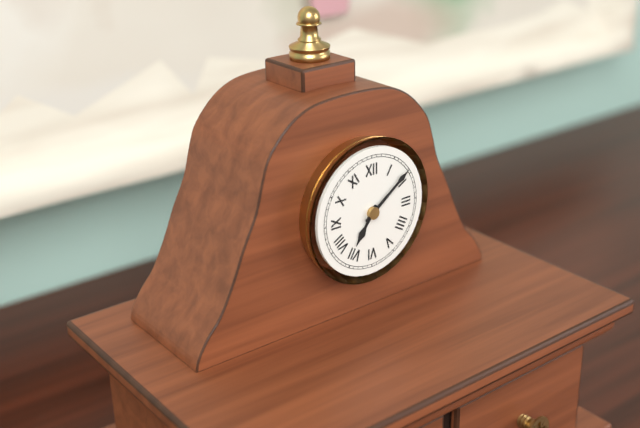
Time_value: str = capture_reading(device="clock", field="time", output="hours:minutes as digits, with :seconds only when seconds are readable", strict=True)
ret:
7:09
